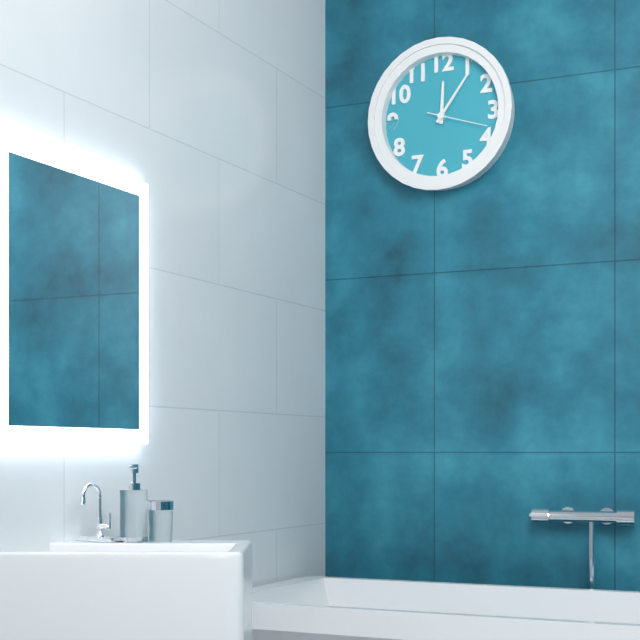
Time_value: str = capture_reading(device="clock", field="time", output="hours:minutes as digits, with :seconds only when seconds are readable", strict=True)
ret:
12:06:18
